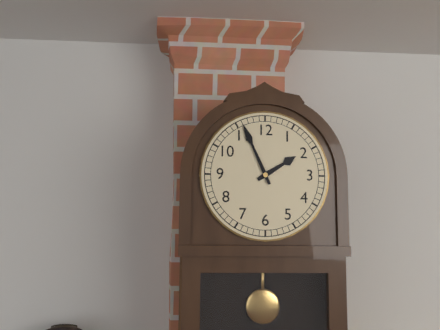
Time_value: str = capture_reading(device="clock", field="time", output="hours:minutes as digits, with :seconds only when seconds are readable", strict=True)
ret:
1:56
